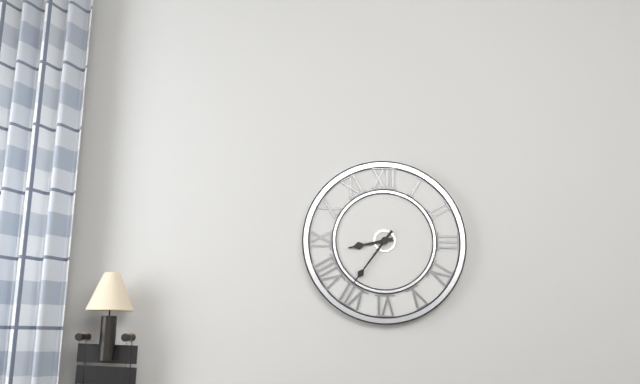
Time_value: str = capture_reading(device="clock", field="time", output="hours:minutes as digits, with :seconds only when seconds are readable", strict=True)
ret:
8:36
